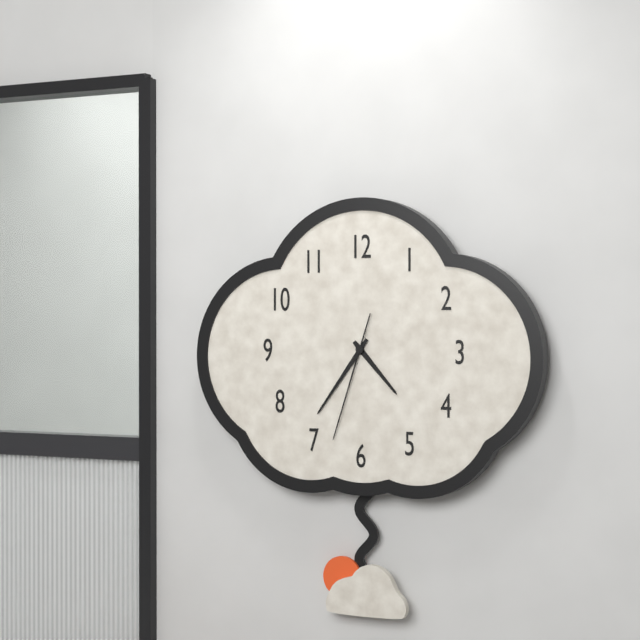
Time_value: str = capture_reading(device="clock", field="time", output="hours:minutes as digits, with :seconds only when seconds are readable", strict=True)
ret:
4:36:33
